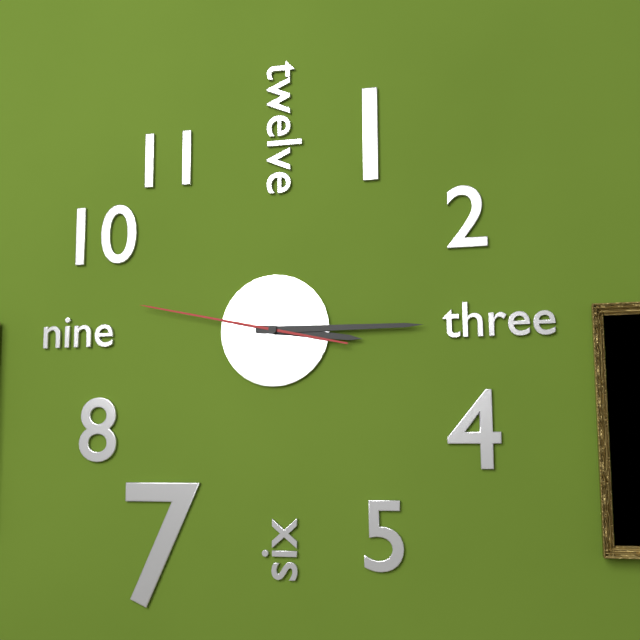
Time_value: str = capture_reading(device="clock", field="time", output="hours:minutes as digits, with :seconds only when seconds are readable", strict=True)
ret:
3:15:47
